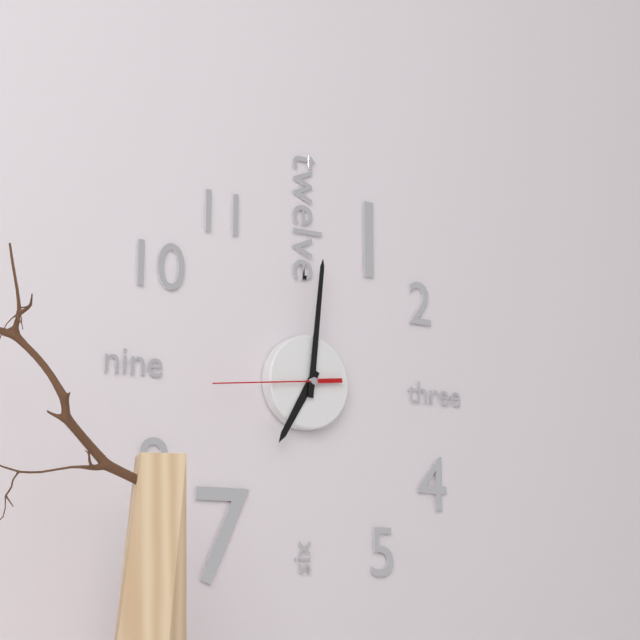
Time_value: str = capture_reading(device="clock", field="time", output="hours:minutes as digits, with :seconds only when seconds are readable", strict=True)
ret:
7:01:44
